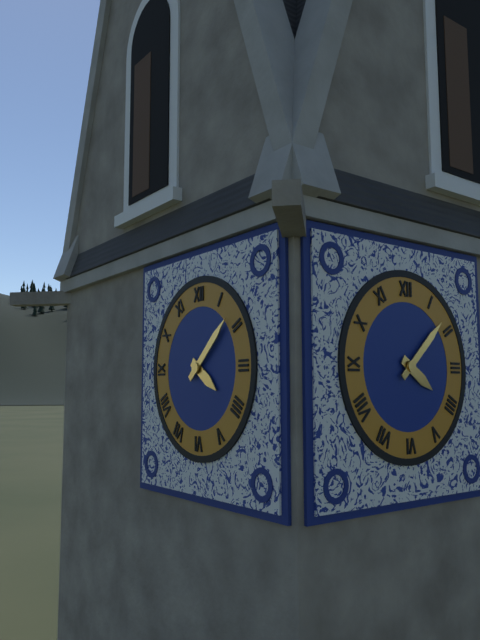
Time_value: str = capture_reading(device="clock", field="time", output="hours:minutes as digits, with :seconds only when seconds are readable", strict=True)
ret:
4:08
